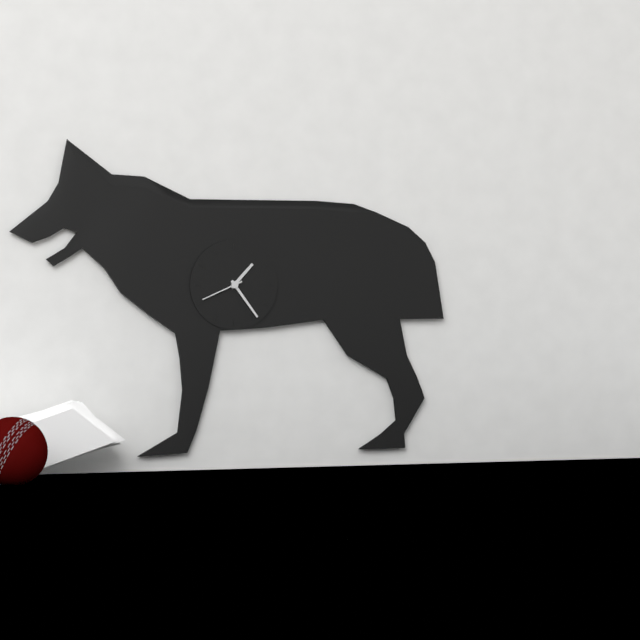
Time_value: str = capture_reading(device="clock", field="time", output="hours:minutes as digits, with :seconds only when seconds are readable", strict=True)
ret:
1:24
